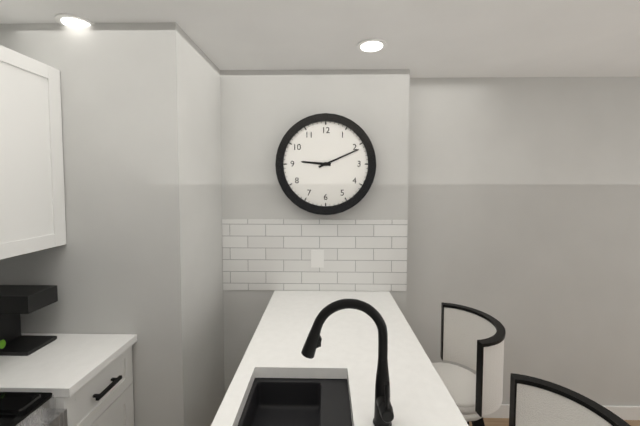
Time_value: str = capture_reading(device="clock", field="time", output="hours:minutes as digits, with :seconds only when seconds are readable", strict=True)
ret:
9:11
